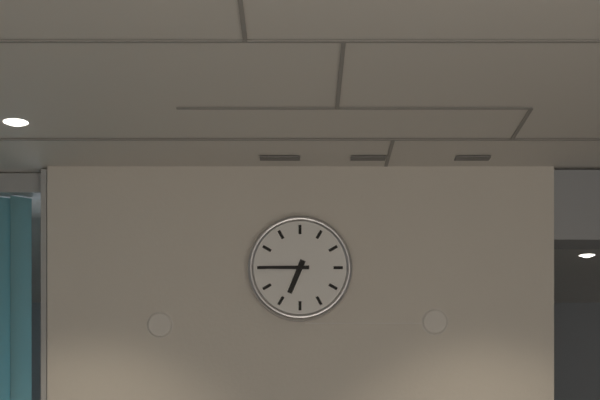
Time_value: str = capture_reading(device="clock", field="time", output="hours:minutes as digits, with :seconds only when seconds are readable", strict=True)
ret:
6:45
